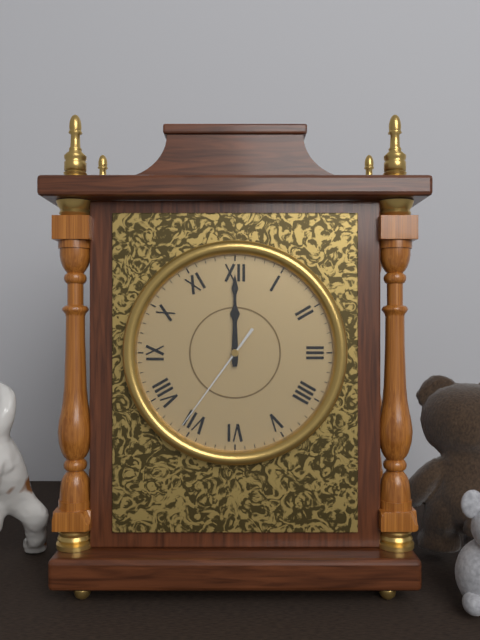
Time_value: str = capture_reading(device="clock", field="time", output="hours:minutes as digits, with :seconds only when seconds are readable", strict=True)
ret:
12:00:36
